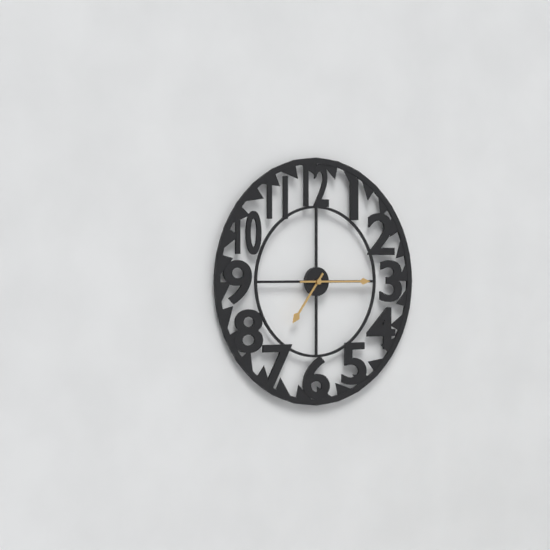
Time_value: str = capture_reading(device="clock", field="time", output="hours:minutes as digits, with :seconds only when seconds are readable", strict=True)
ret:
7:15
